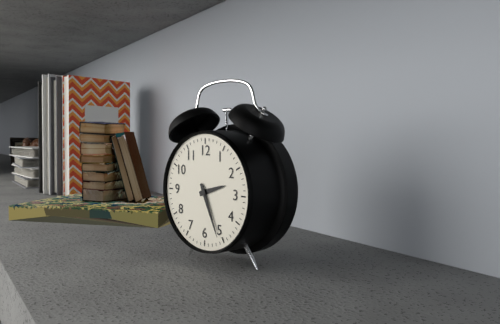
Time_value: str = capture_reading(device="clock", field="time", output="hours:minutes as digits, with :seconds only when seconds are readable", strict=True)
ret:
2:26
